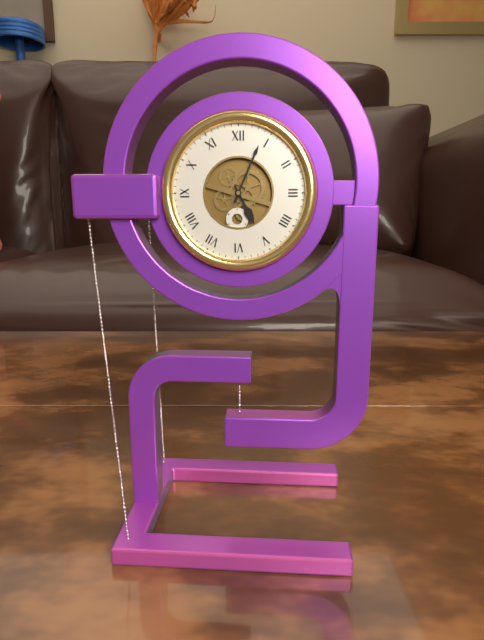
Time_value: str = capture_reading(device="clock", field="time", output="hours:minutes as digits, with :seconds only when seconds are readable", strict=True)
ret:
5:04
